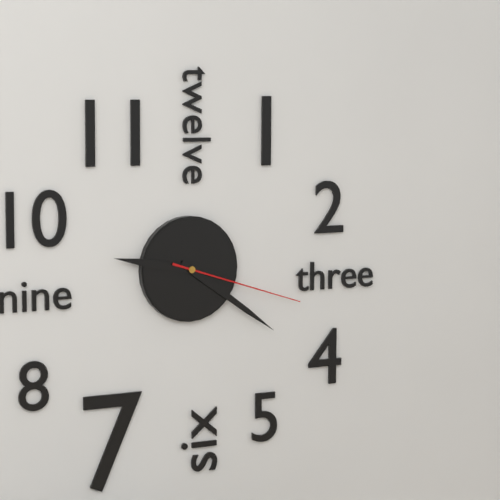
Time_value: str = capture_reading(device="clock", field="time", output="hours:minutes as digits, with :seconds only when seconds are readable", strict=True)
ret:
9:21:18
